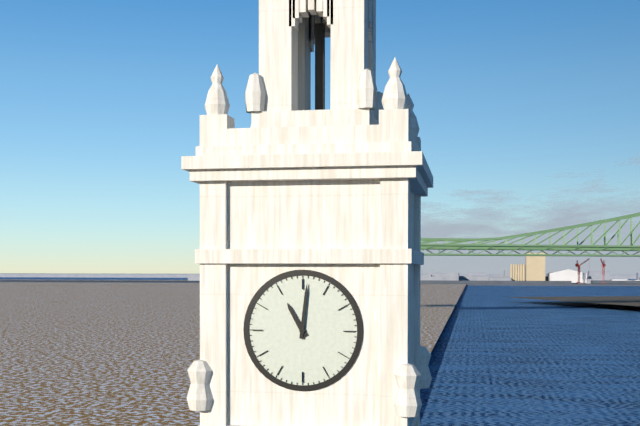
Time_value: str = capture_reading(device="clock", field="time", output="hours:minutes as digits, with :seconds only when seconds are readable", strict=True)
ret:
11:01
